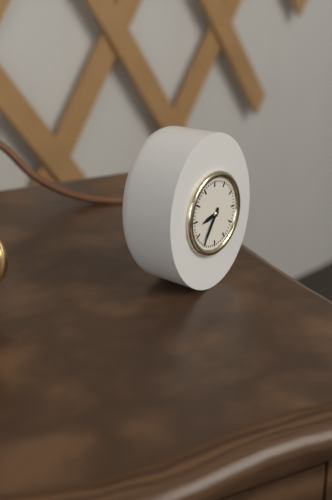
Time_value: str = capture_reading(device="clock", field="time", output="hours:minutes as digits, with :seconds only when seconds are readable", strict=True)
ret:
8:36
